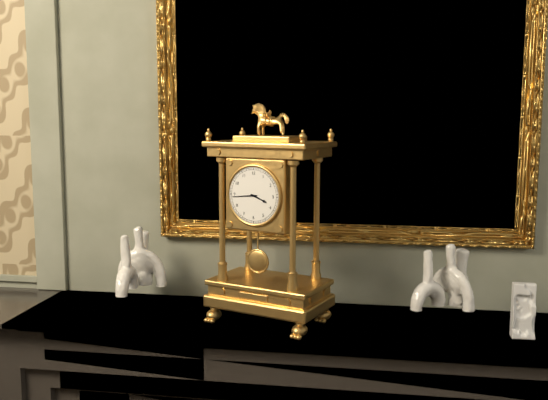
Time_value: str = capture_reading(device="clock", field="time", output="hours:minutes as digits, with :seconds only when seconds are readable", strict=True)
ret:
3:44
